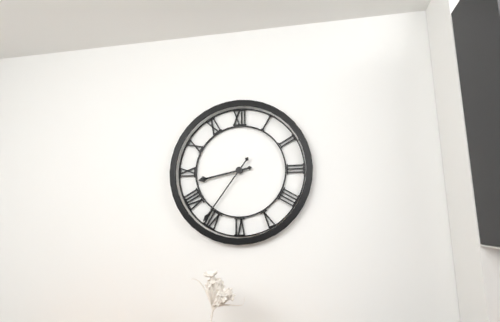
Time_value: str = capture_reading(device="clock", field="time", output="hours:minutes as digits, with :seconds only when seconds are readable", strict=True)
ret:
8:36
